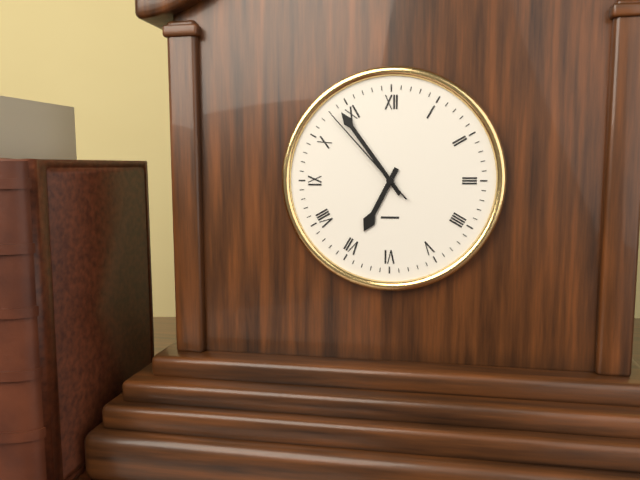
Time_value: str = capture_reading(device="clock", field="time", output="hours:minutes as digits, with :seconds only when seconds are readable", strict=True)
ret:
6:54:53
